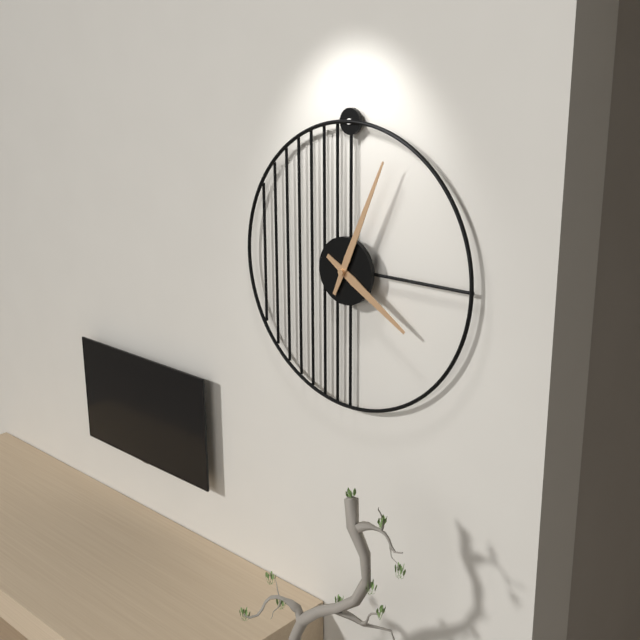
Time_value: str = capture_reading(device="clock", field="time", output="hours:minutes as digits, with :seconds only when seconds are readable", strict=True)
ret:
4:04
